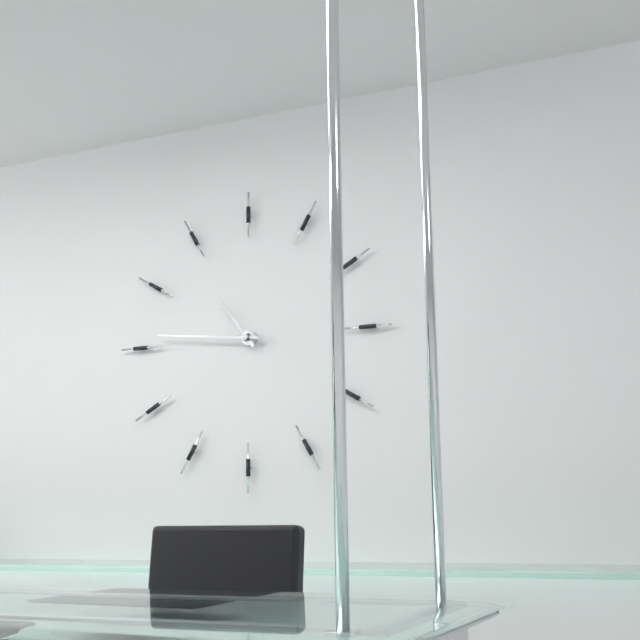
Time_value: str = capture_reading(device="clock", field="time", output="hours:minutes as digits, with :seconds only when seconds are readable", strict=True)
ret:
10:46
